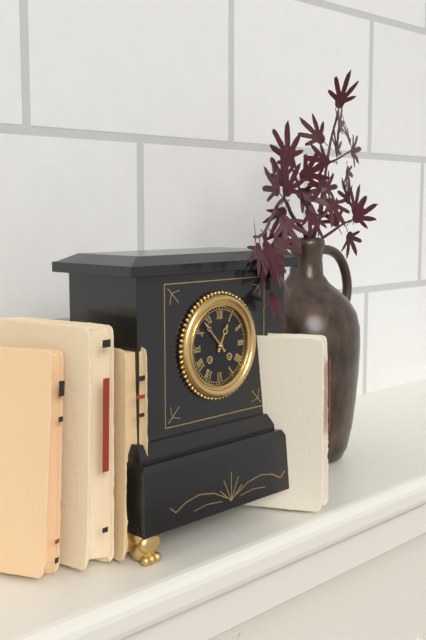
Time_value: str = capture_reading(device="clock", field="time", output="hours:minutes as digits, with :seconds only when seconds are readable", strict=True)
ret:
12:53
